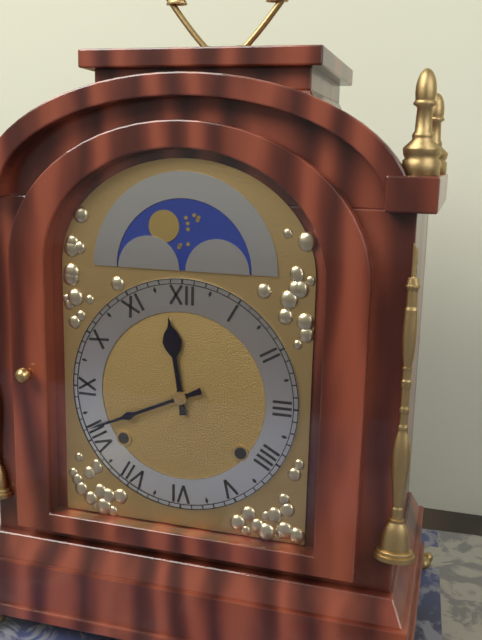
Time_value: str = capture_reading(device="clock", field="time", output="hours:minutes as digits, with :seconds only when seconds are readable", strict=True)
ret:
11:41
